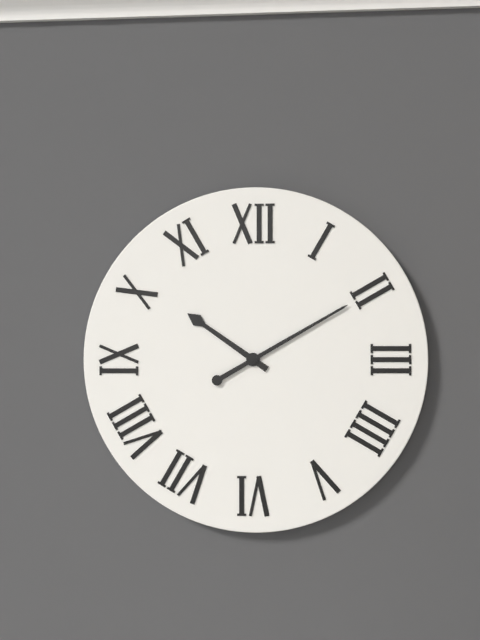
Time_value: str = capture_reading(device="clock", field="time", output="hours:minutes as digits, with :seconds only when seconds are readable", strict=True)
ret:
10:10
